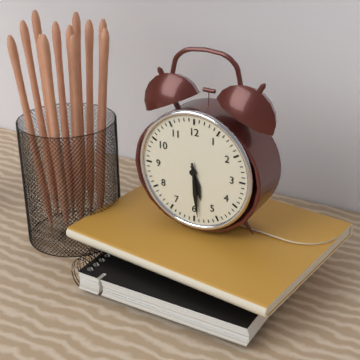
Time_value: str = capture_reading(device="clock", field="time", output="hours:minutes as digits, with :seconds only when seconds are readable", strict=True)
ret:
5:29
